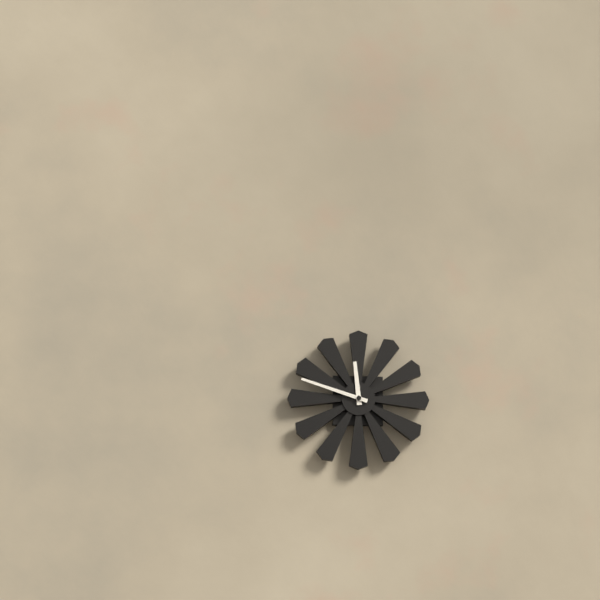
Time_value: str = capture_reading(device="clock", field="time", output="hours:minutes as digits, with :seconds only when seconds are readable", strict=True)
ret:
11:48
